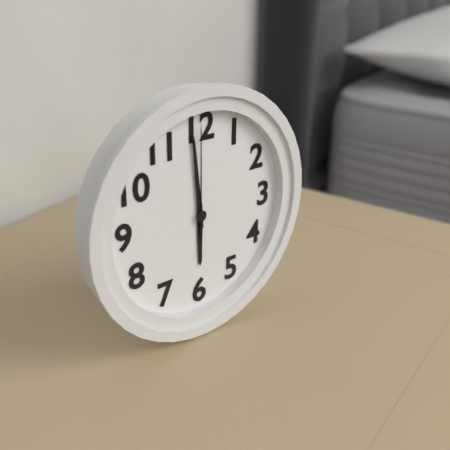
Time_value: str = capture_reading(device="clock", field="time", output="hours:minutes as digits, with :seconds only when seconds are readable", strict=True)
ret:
5:59:00
